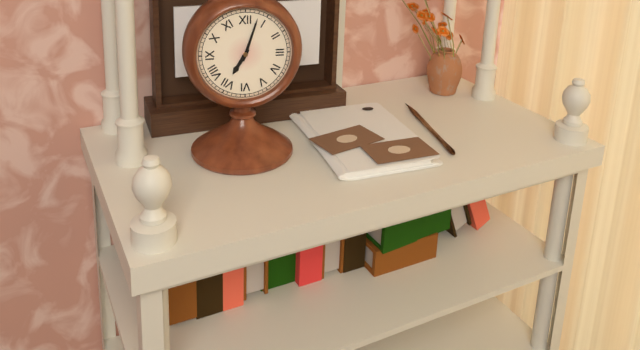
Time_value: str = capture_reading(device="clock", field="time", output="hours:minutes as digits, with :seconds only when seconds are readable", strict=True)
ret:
7:03
